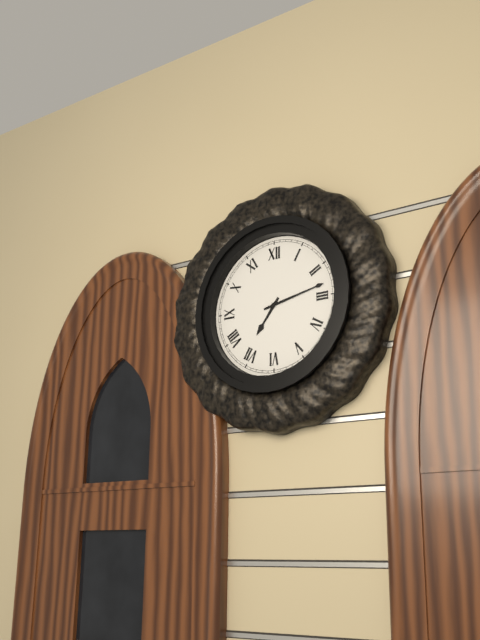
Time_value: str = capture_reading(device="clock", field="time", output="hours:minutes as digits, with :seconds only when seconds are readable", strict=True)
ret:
7:13
